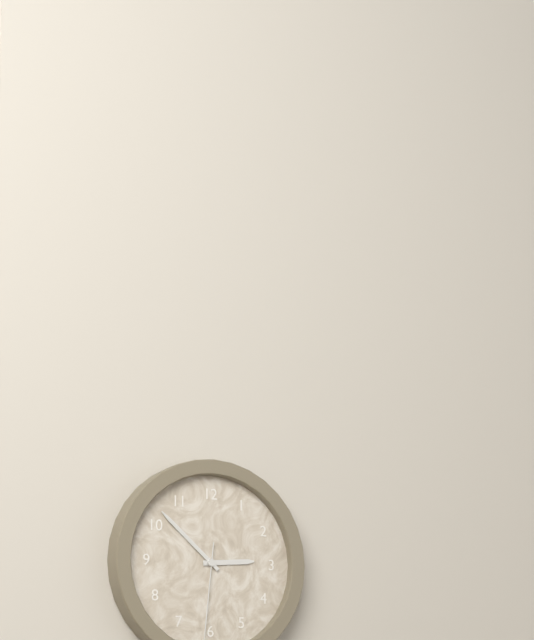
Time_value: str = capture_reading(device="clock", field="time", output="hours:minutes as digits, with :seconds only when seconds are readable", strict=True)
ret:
2:52
